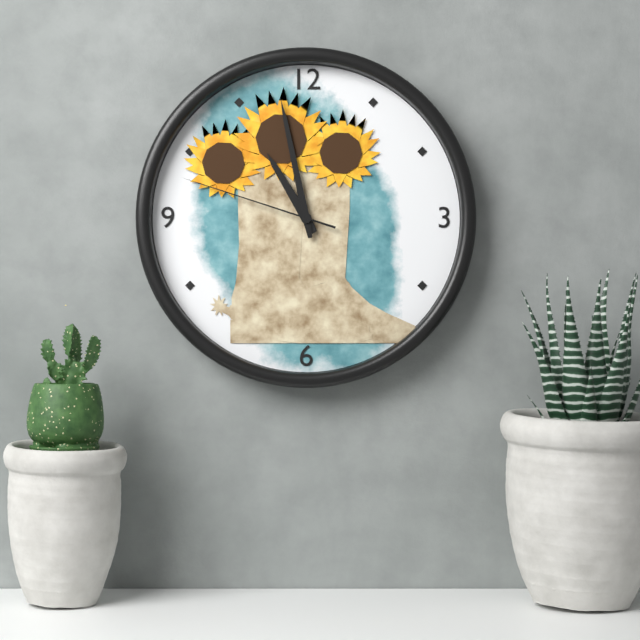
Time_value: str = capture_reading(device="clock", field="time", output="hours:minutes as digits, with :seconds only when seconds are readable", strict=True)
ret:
10:58:48
